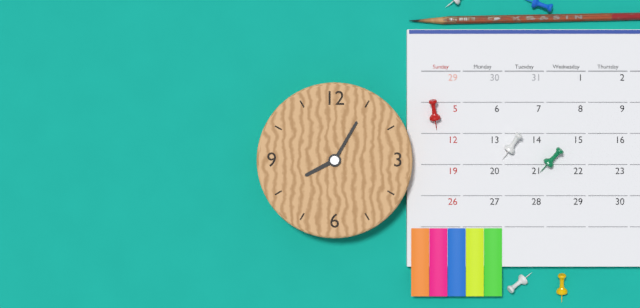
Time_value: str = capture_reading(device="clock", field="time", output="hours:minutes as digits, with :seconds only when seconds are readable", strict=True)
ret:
8:05
